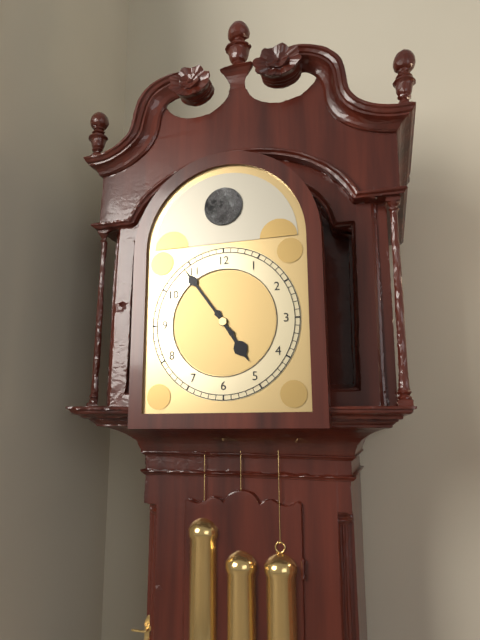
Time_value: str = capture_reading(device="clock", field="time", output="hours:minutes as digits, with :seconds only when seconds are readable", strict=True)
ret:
4:54
